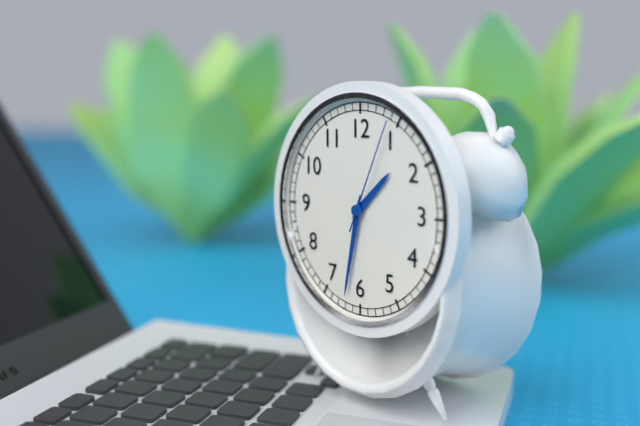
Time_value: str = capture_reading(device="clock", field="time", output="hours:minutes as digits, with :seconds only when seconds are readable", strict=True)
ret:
1:32:04
